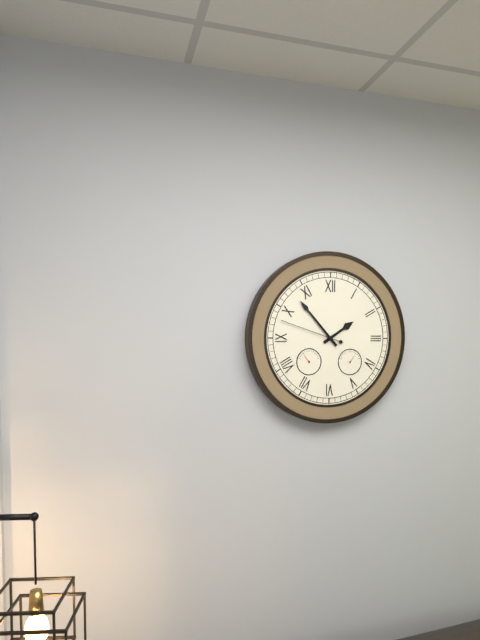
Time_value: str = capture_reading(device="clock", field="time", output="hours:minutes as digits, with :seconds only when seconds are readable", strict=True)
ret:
1:53:48
